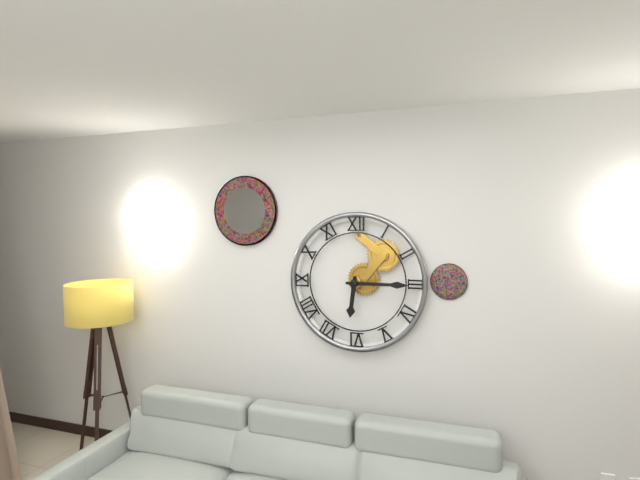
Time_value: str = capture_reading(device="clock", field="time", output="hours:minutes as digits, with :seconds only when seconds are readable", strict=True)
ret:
6:15
